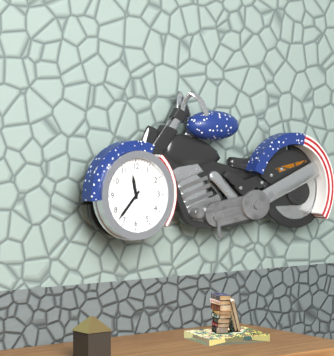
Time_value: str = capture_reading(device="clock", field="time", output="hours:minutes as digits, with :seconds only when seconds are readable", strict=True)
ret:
11:37
